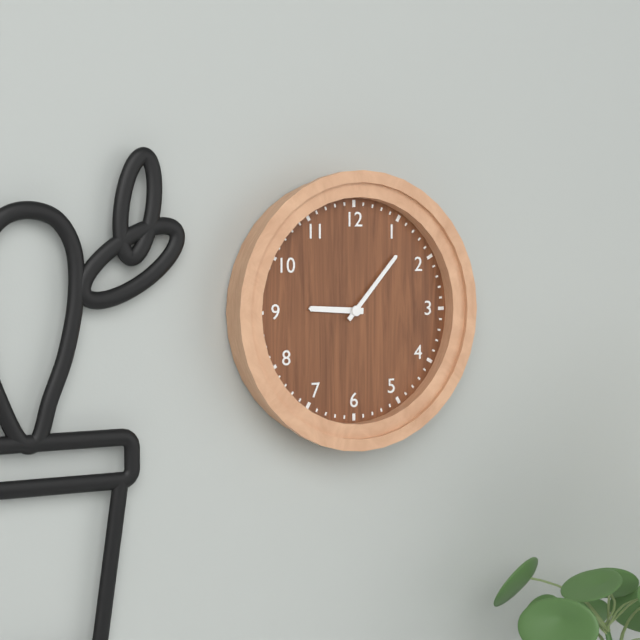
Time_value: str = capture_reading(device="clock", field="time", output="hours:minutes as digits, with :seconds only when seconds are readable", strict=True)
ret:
9:07
